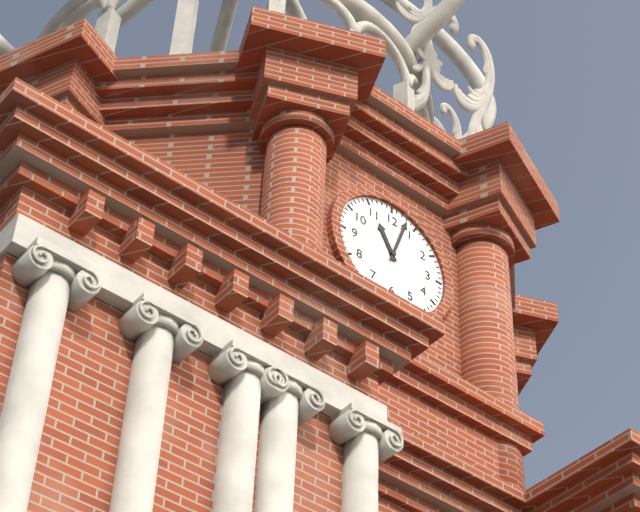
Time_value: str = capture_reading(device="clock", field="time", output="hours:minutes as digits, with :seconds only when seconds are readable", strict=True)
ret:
11:03
